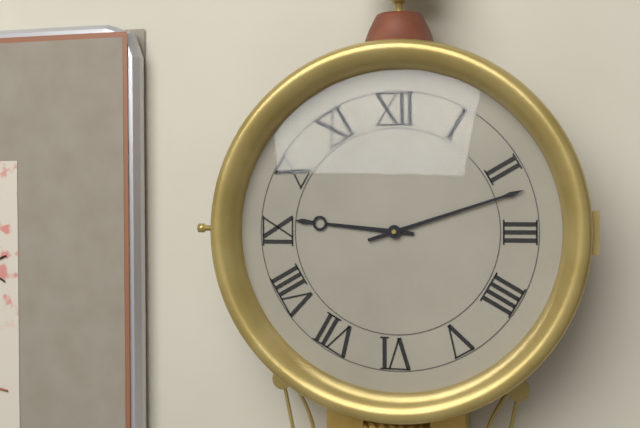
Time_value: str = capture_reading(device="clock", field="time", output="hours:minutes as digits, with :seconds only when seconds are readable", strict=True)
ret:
9:12
